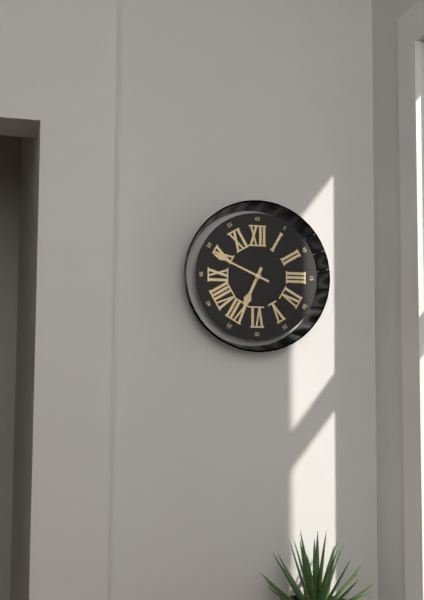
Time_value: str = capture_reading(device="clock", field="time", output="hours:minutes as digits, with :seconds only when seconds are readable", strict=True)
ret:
6:49
